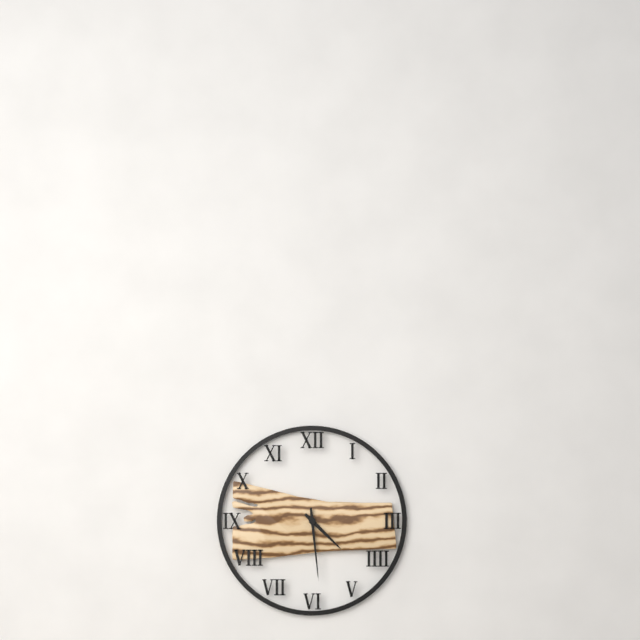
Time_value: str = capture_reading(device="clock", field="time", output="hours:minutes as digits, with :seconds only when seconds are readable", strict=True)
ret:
4:29
